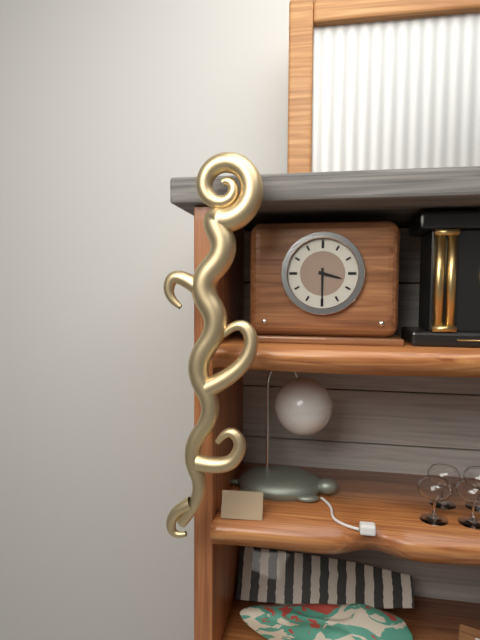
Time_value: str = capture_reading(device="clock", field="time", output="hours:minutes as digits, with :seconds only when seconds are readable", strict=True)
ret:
3:30
